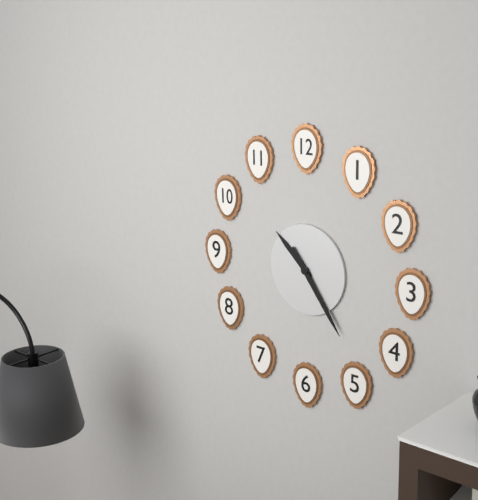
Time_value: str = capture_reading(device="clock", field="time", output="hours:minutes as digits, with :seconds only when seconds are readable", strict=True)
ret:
10:24
